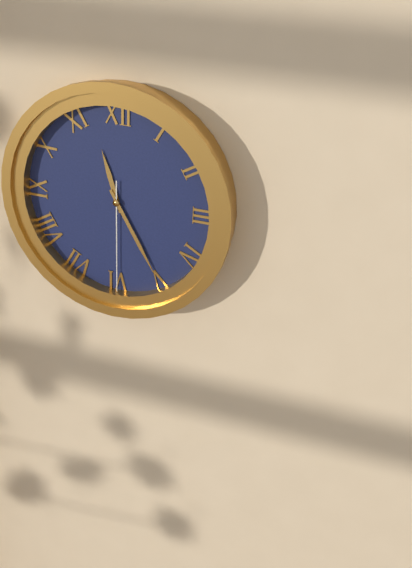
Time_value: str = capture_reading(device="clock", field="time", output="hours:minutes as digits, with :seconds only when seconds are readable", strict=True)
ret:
11:25:30
